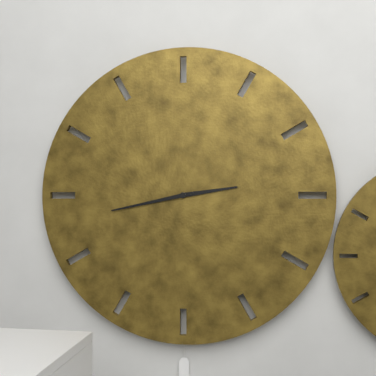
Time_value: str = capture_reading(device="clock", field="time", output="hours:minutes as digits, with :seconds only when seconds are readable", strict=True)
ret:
2:43
